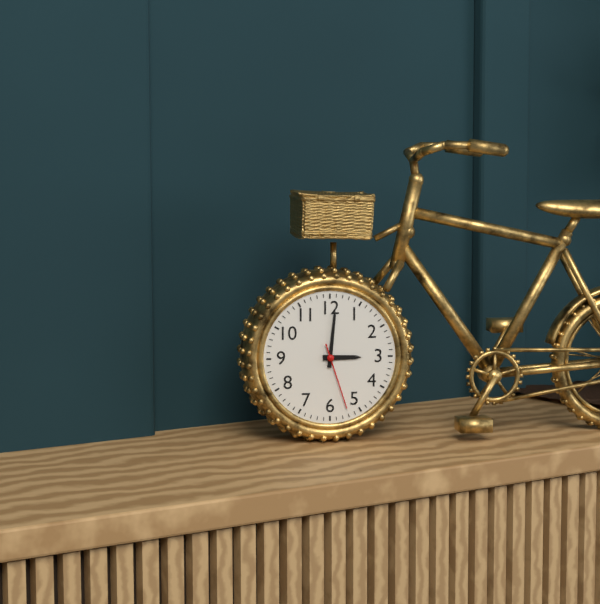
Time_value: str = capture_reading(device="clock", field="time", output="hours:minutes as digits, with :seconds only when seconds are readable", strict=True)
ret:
3:01:27
